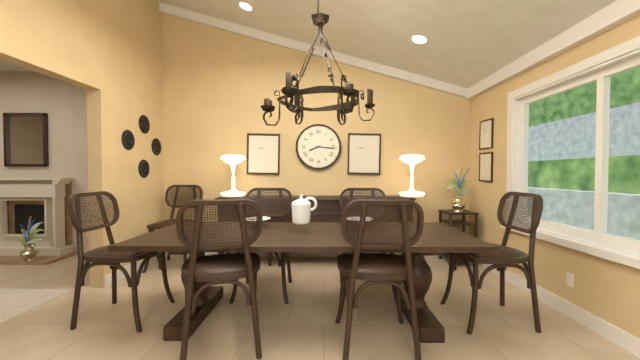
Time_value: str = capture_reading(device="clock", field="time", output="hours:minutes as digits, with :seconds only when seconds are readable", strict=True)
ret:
8:16
